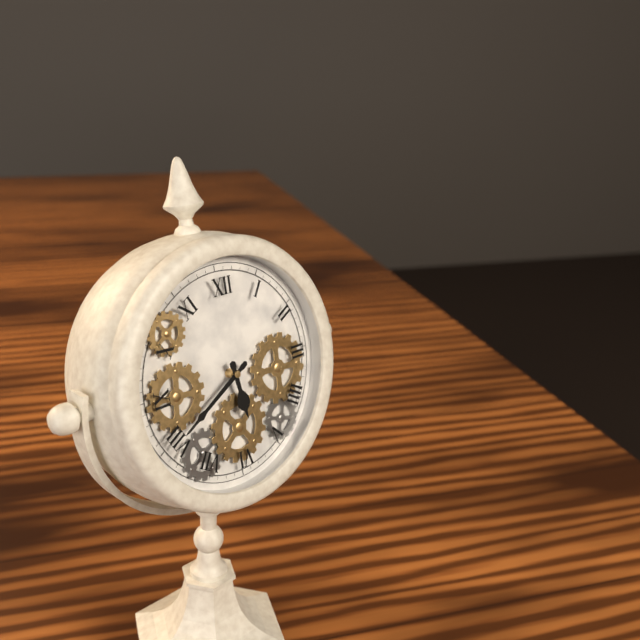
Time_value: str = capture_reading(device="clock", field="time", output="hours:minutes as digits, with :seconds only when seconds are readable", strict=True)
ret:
5:40
